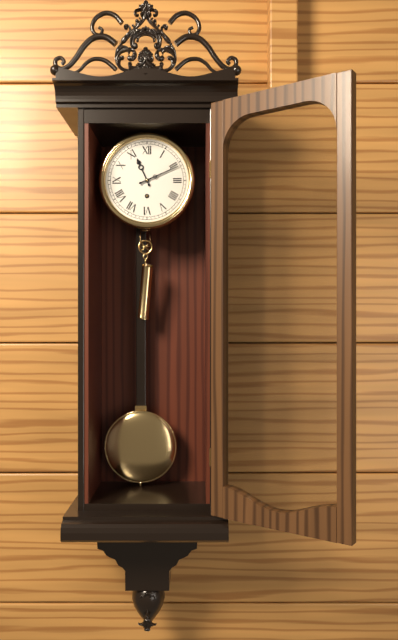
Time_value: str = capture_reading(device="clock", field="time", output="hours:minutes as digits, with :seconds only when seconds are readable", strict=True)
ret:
11:11
